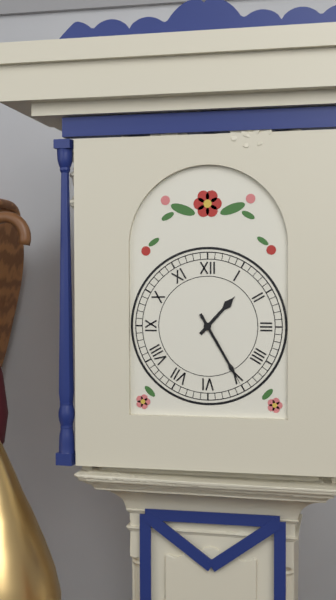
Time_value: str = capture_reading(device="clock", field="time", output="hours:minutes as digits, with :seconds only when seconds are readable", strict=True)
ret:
1:25
